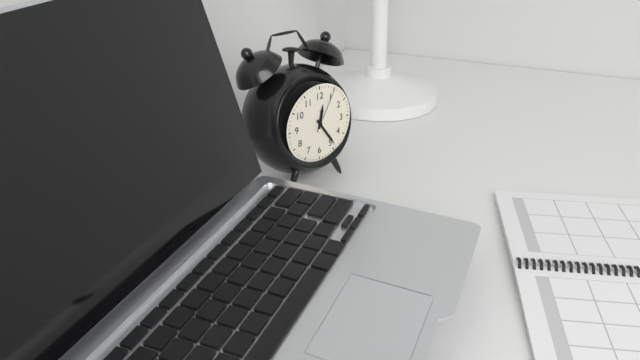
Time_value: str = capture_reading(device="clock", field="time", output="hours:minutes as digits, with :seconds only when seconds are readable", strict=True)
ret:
12:24
